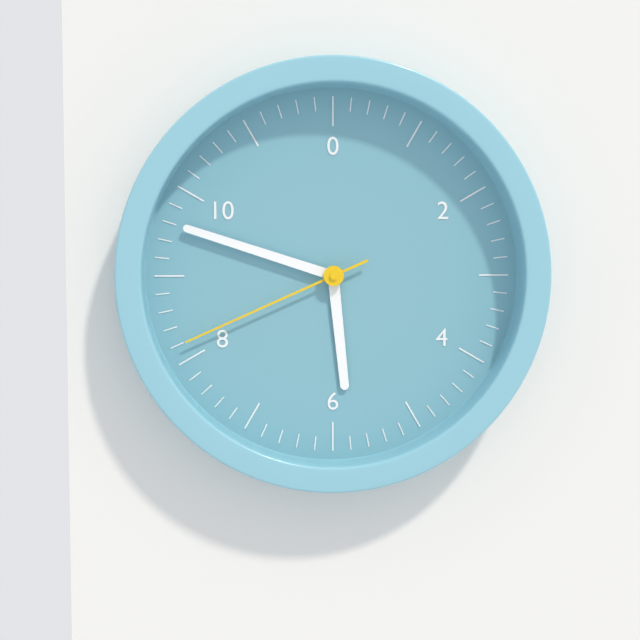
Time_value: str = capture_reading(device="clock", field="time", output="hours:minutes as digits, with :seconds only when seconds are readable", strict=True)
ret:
5:48:41
